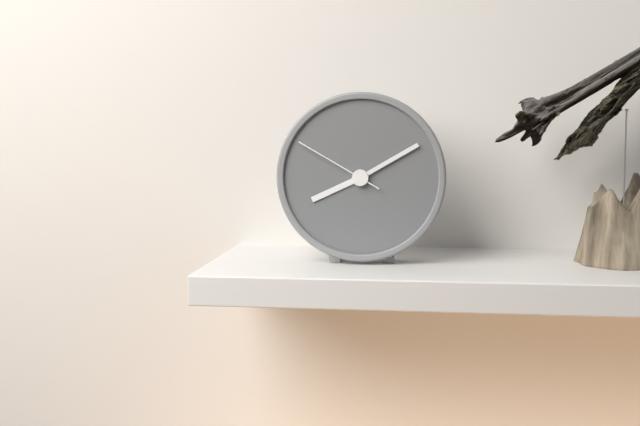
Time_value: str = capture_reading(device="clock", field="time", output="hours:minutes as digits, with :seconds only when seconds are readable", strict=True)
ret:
8:10:50
